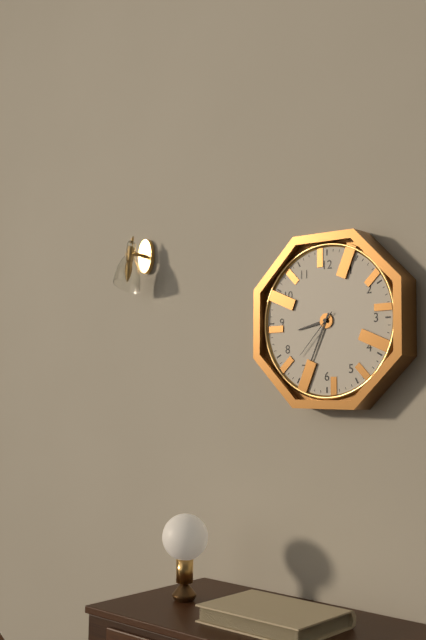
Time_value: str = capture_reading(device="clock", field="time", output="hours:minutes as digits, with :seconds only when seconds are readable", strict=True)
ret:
8:34:37
